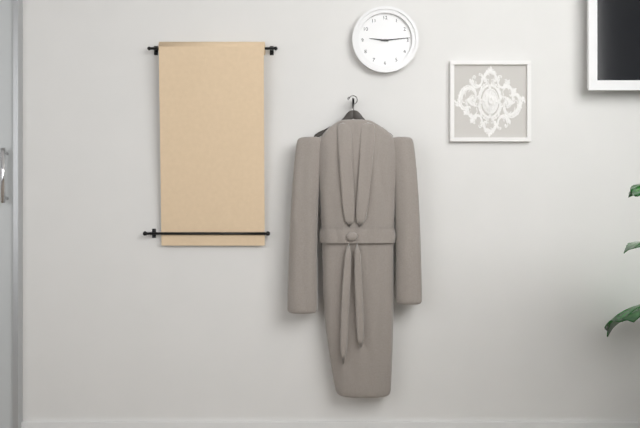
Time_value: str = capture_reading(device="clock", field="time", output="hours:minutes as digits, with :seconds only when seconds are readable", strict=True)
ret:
9:14
